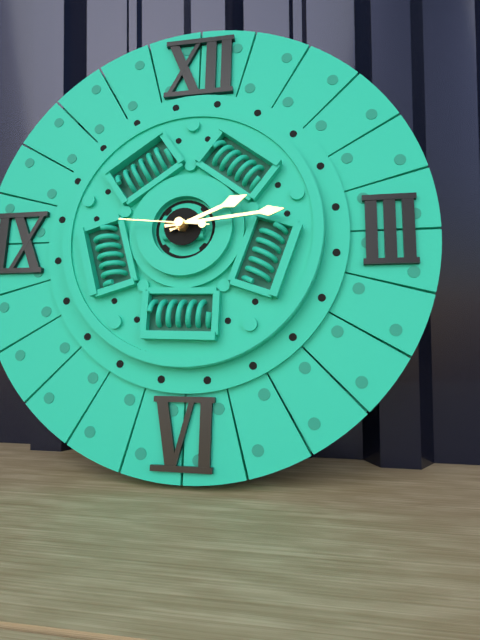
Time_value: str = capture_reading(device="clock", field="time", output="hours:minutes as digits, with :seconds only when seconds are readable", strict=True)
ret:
2:14:46
